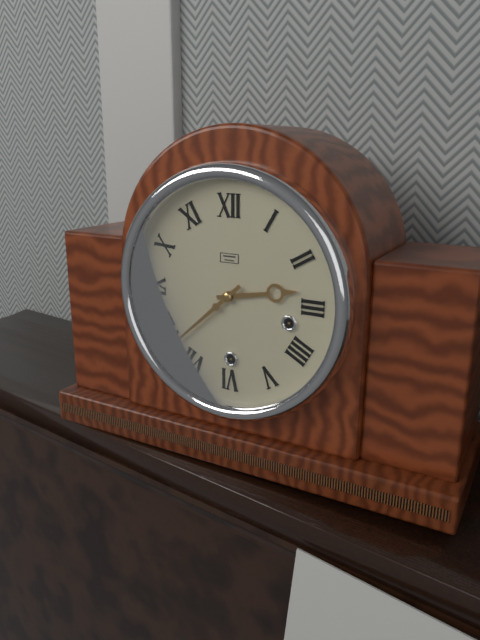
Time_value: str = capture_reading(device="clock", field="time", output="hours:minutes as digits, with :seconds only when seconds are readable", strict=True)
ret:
2:38
